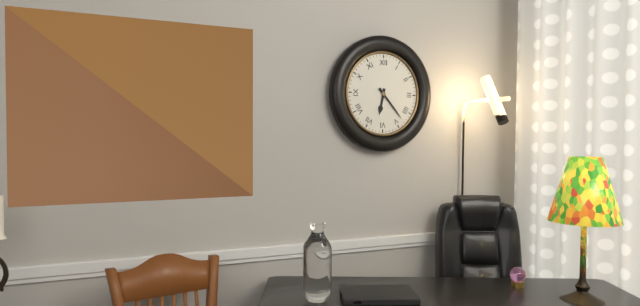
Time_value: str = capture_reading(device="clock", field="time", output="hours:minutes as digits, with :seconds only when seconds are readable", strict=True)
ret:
6:23
